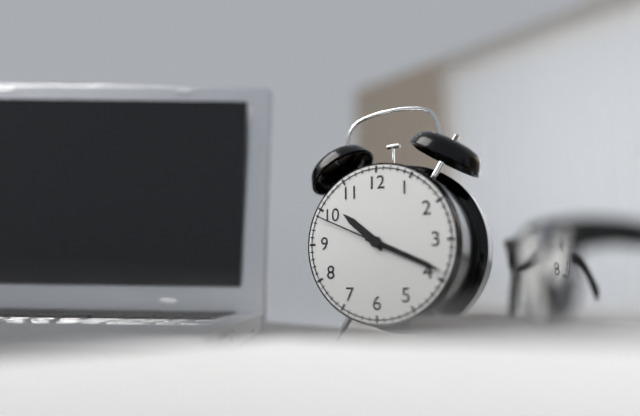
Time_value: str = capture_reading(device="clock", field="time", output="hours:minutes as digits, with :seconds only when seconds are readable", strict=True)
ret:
10:19:49
